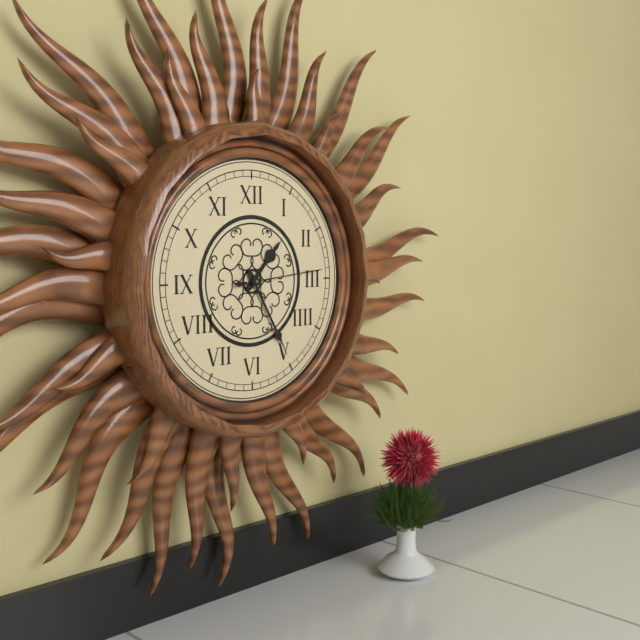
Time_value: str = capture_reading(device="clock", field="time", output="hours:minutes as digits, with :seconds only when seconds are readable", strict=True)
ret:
1:25:14
